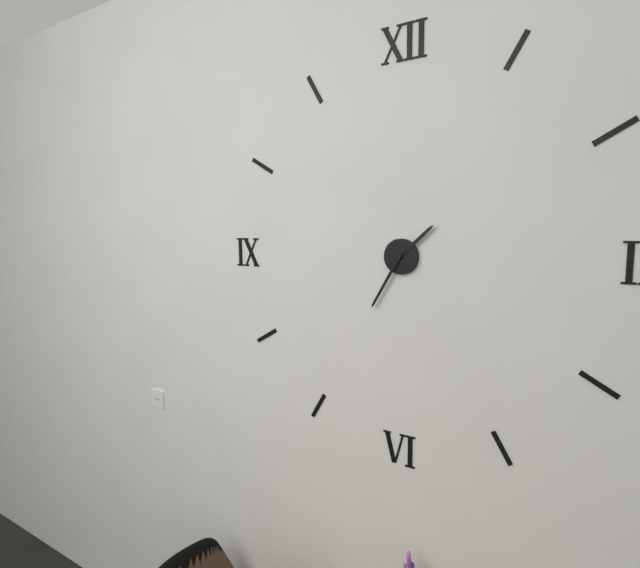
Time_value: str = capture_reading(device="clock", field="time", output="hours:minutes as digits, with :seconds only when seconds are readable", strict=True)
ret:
1:35
